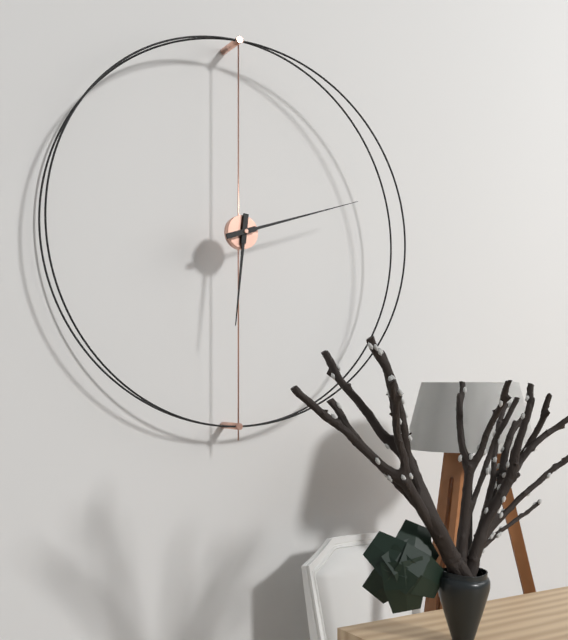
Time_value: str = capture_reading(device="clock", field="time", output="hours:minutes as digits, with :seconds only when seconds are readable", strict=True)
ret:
6:12
